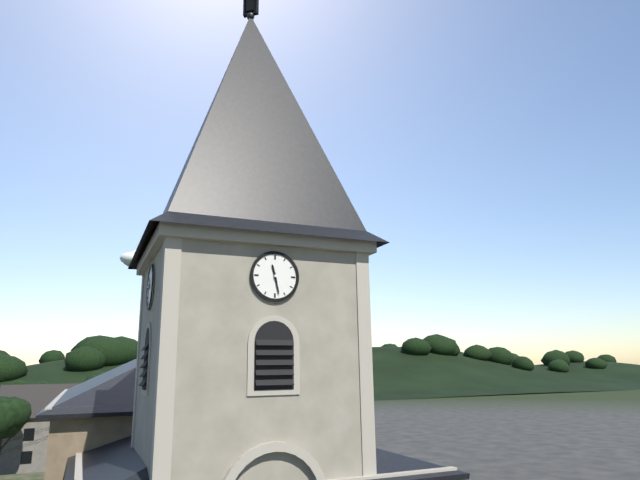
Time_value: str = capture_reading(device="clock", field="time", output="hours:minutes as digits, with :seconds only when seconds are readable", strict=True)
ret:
11:28
